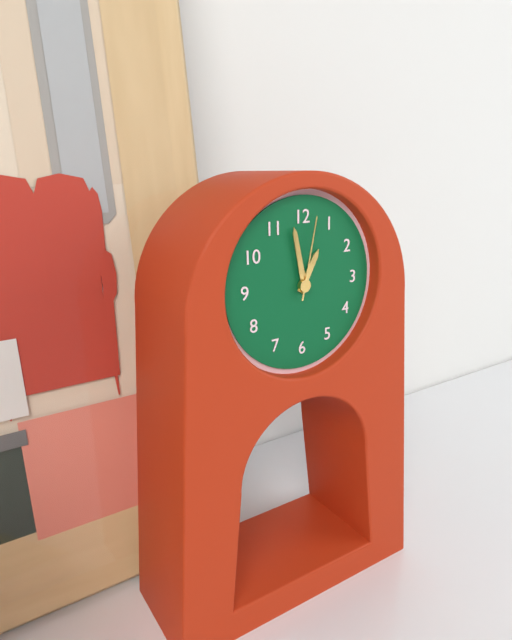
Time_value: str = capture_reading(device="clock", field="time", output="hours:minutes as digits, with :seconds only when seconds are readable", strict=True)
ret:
12:58:02
